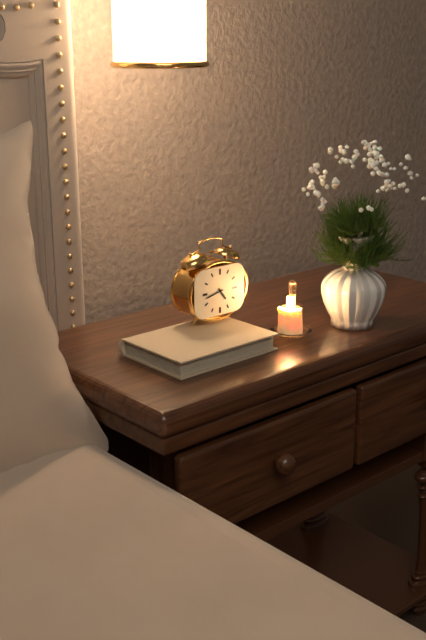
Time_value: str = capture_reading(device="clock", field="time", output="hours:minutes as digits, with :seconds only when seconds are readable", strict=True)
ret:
4:43
